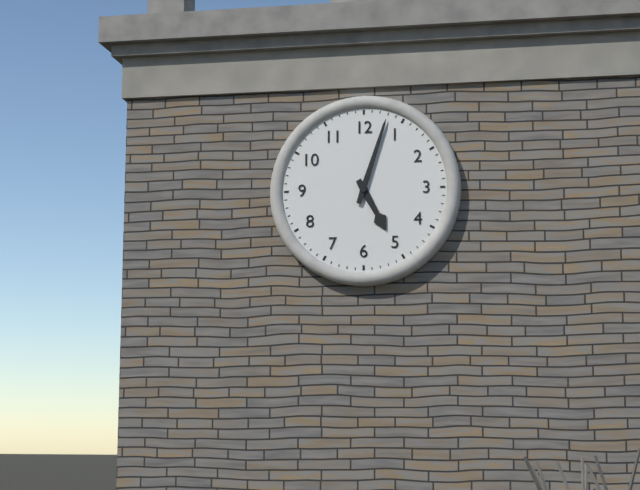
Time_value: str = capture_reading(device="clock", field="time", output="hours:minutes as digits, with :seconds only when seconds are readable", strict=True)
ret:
5:03
